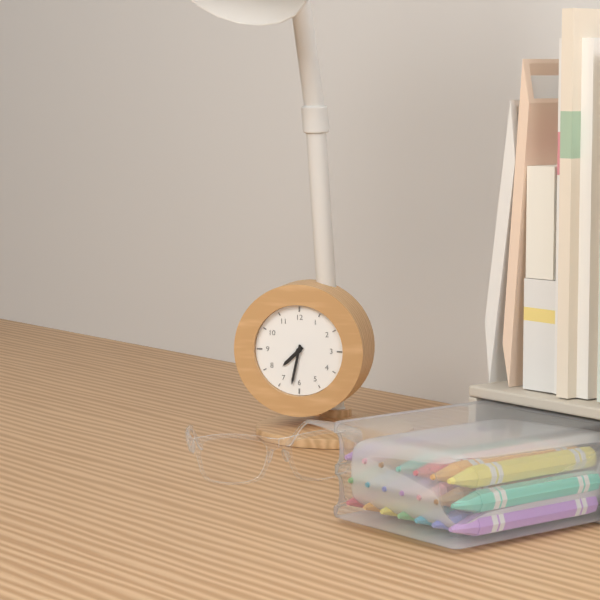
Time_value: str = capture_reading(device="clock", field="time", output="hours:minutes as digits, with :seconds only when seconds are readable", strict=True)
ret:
7:32
